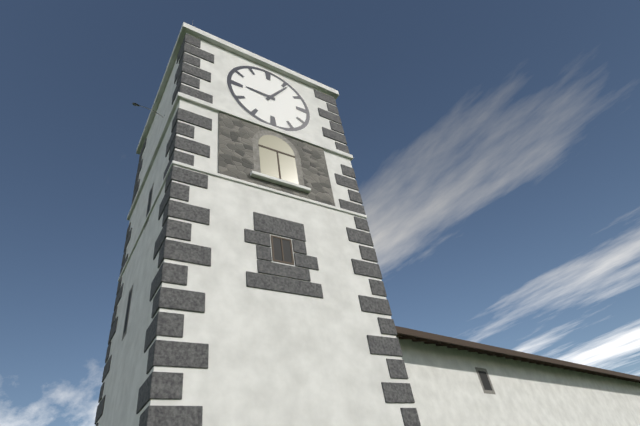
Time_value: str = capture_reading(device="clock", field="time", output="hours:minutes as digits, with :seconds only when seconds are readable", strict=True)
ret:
9:06
